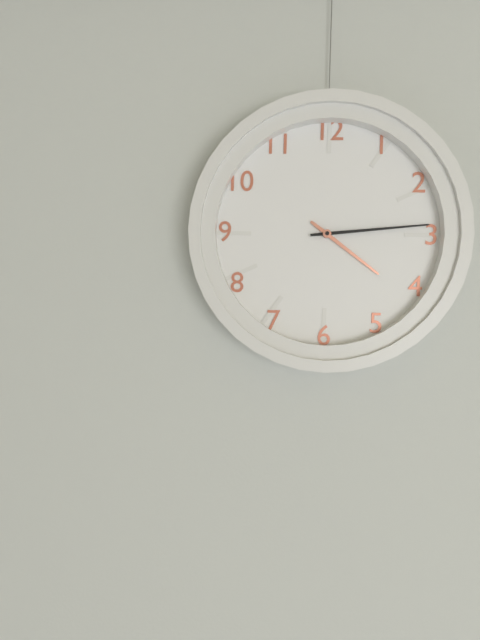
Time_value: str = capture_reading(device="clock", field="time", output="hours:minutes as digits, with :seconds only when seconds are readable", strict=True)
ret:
4:14
